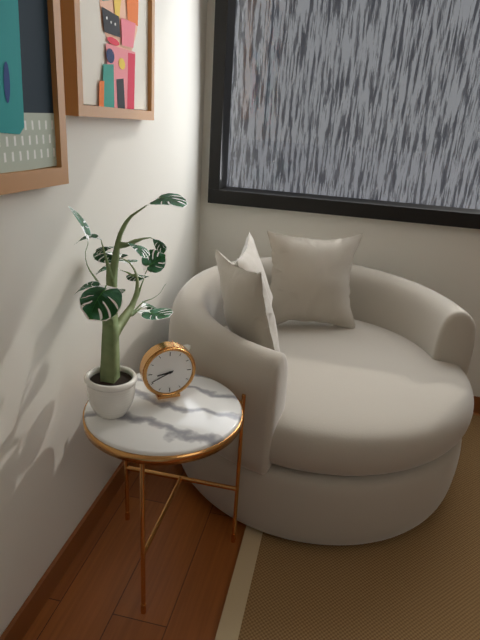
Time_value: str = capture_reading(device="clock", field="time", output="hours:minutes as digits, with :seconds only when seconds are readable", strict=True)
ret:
8:41
